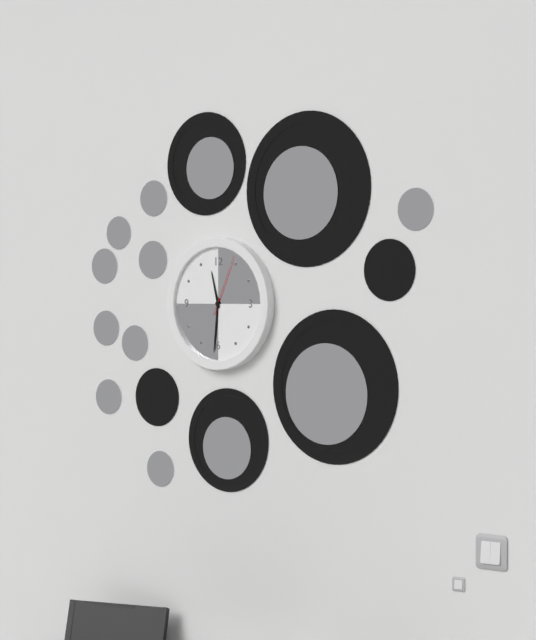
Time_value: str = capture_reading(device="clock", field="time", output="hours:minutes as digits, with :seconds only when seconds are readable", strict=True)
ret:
11:31:04
